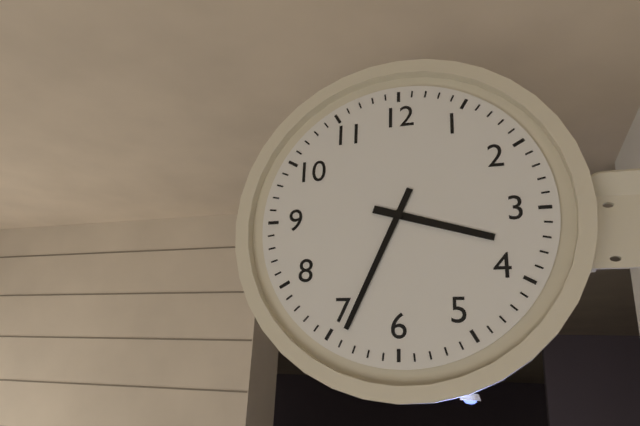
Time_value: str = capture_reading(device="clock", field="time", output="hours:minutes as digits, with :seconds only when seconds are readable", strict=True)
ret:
3:34
